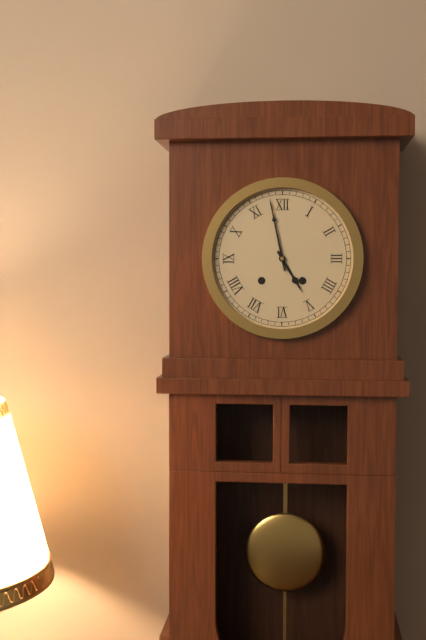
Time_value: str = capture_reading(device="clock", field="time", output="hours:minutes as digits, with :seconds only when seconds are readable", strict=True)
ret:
4:58
